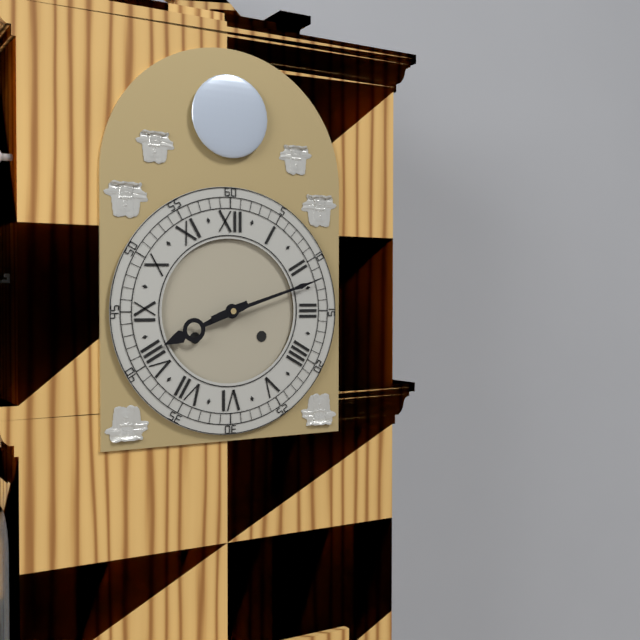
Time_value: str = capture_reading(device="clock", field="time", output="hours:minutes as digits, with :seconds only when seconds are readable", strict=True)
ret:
8:12
